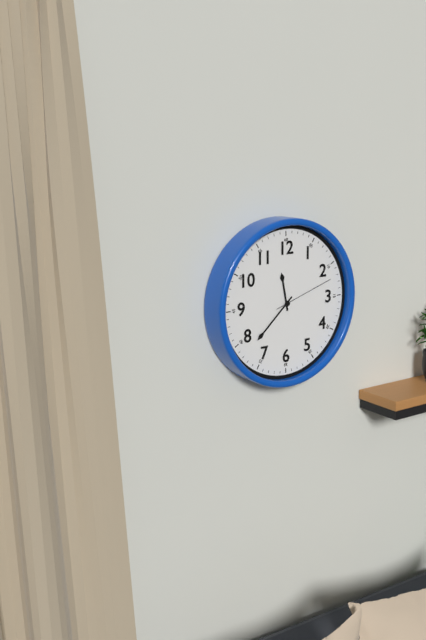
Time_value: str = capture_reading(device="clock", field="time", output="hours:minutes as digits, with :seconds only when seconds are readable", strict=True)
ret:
11:38:12
